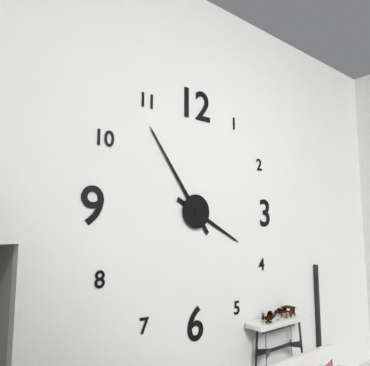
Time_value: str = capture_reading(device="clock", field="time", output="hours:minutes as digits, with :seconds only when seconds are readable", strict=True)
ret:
3:54
